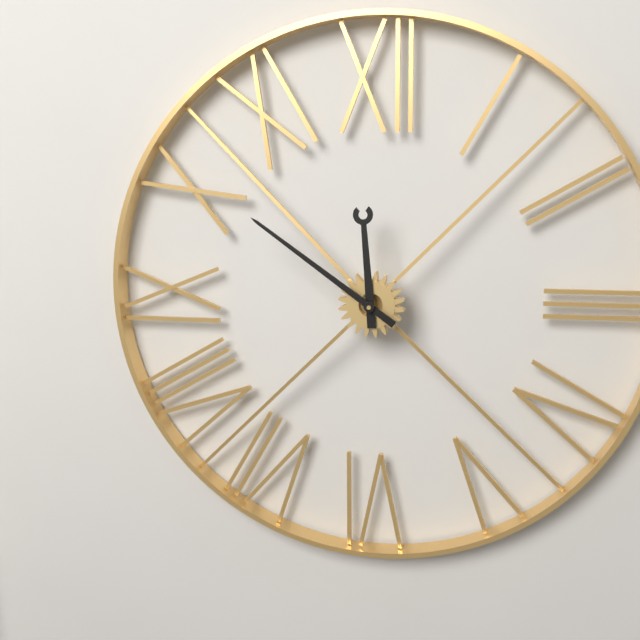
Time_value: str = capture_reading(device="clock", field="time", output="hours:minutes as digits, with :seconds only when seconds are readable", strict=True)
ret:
11:51
